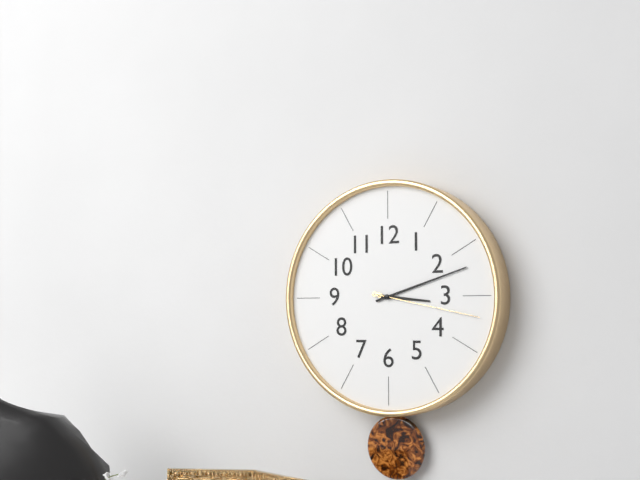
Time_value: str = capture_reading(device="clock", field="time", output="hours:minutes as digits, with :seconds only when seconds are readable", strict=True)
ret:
3:12:17
